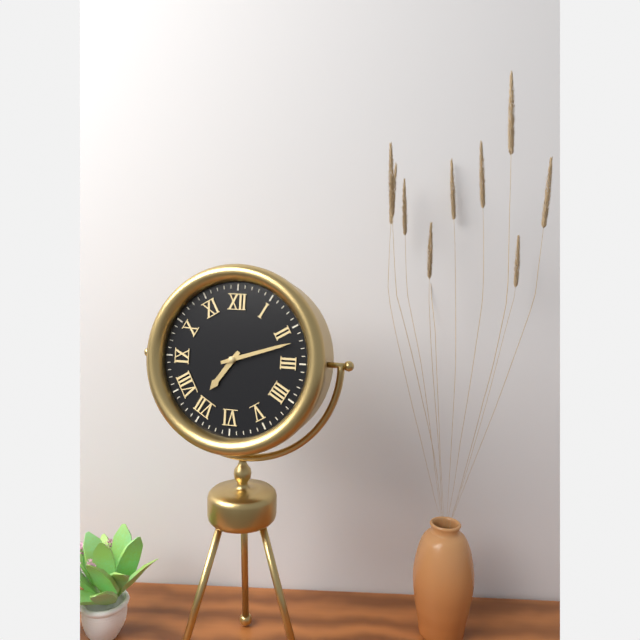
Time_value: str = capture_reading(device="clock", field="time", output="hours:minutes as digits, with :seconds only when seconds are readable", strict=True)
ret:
7:12
